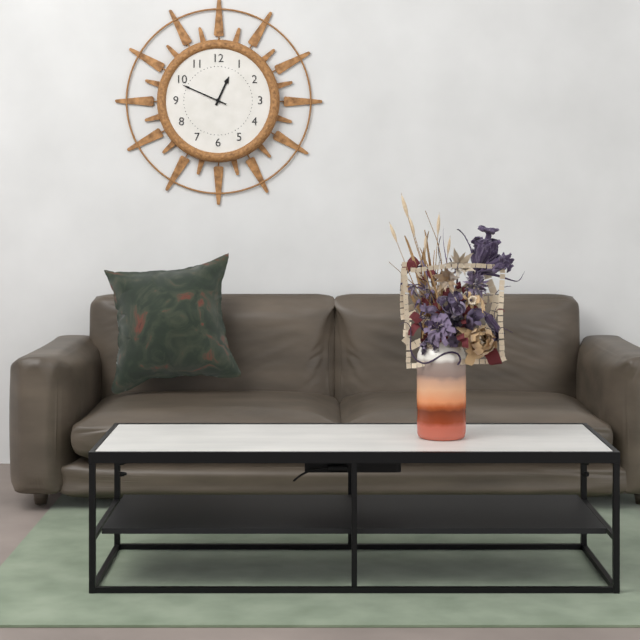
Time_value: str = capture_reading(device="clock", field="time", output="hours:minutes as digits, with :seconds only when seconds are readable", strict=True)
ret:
12:49
